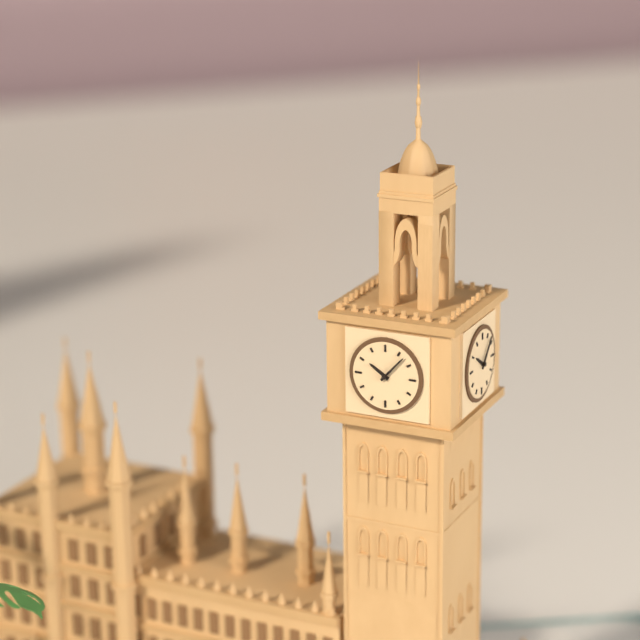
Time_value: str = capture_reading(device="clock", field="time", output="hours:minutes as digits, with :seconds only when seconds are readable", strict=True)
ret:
10:07
